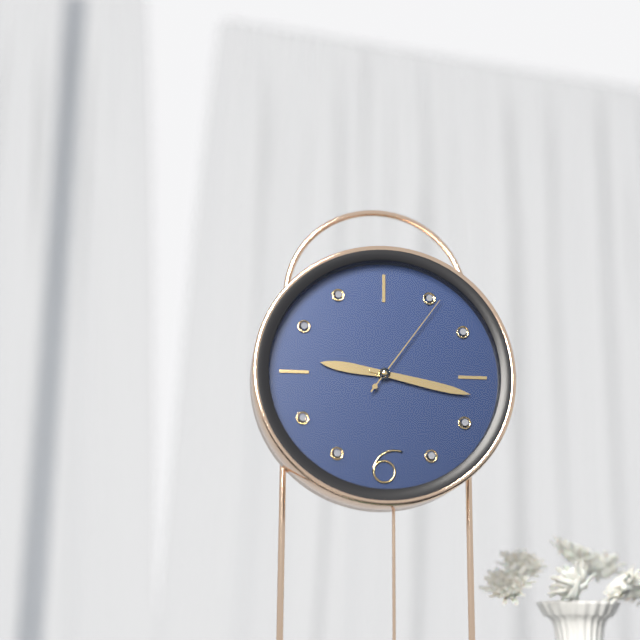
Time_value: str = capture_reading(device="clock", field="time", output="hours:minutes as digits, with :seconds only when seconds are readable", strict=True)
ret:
9:17:06
